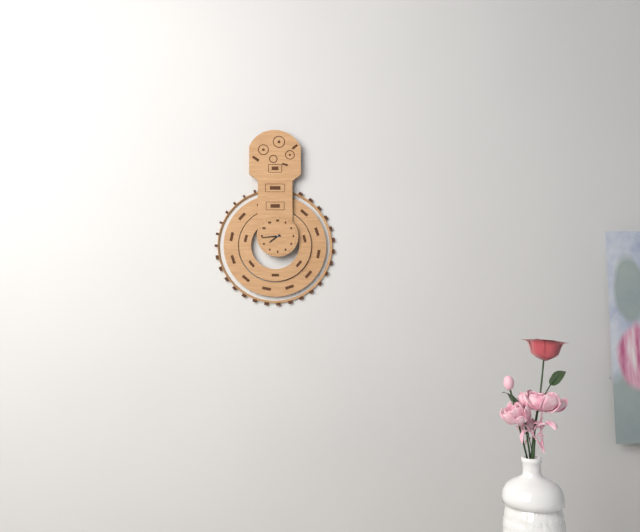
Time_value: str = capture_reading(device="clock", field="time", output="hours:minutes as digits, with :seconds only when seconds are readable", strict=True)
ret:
7:44
